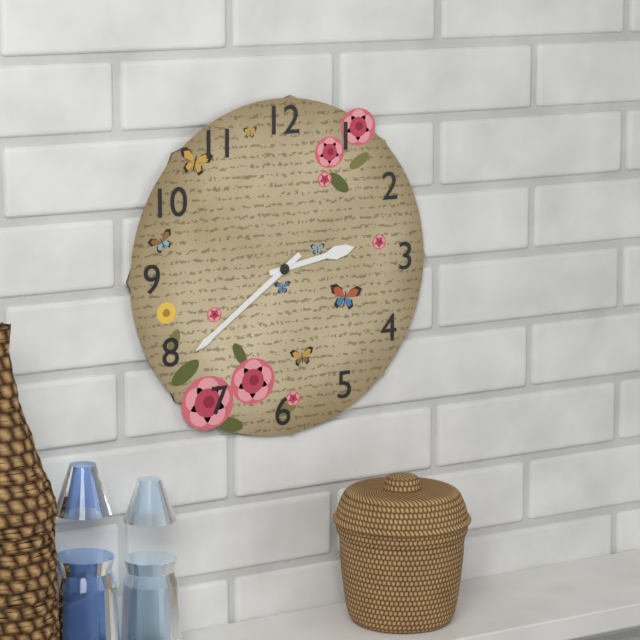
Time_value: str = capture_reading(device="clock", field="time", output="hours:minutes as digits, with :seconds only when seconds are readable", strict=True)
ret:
2:39
